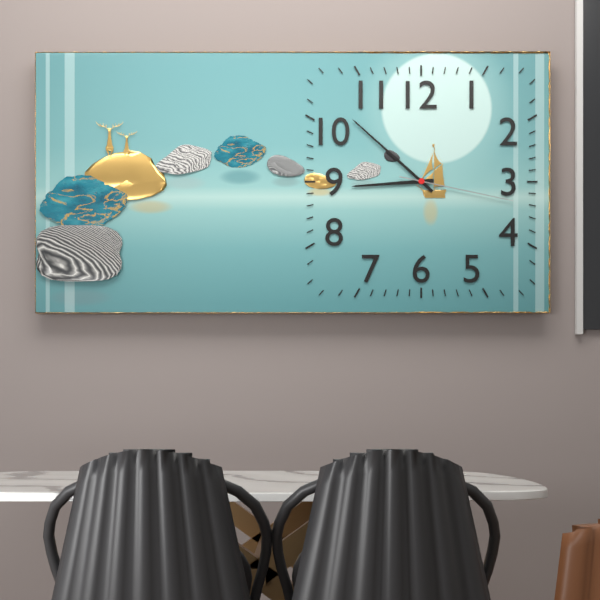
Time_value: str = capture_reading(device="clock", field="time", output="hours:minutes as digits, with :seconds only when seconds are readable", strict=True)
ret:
8:52:17
